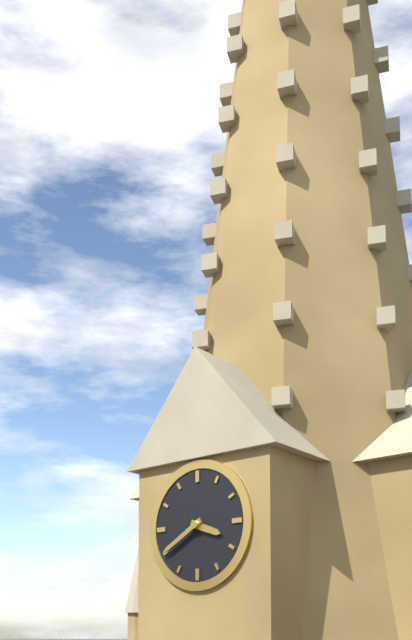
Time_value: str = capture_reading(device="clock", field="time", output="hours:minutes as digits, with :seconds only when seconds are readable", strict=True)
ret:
3:40
